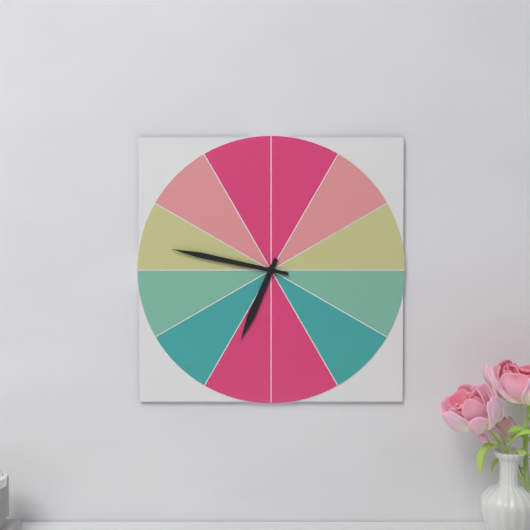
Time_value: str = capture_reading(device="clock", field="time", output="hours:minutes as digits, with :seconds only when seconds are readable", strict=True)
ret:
6:47
